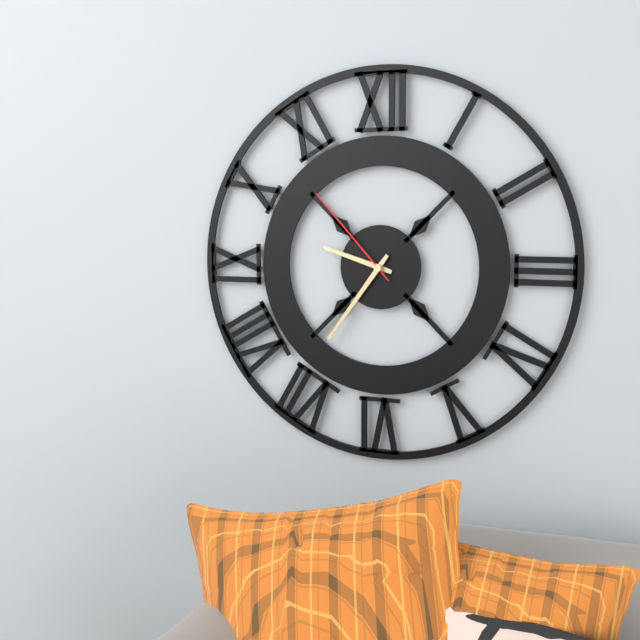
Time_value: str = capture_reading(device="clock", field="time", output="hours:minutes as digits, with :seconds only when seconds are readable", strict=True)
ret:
9:36:53
